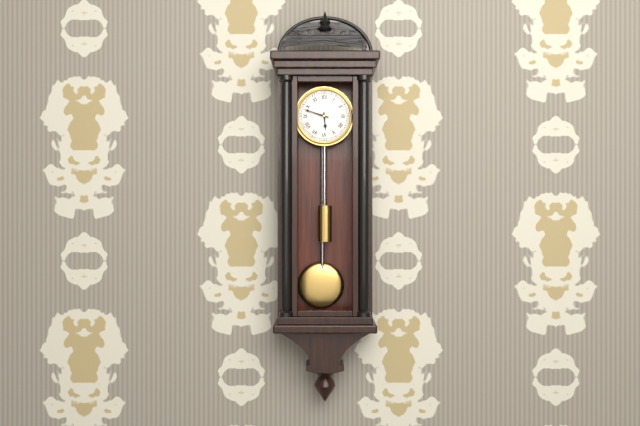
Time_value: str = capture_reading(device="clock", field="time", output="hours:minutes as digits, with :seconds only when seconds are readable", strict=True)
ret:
5:48
